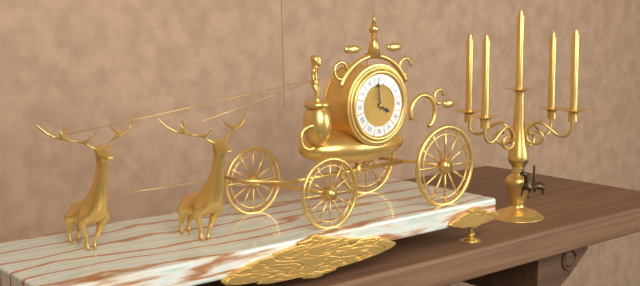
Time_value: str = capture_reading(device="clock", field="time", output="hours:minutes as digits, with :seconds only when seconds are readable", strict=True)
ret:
3:59
